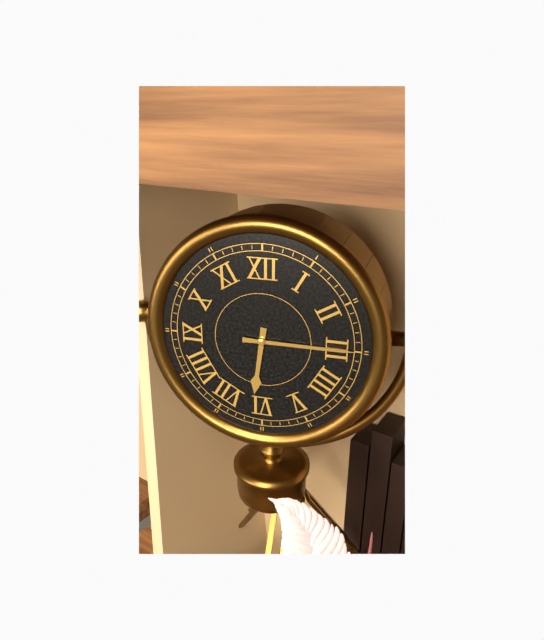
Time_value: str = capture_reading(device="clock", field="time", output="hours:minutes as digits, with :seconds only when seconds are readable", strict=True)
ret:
6:15
